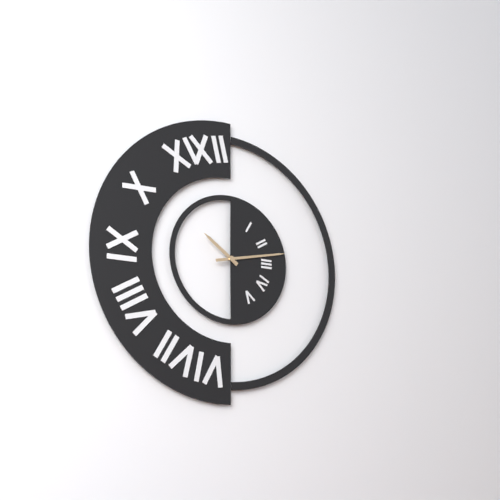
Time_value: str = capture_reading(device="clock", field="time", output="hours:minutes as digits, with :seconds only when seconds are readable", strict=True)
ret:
10:13
